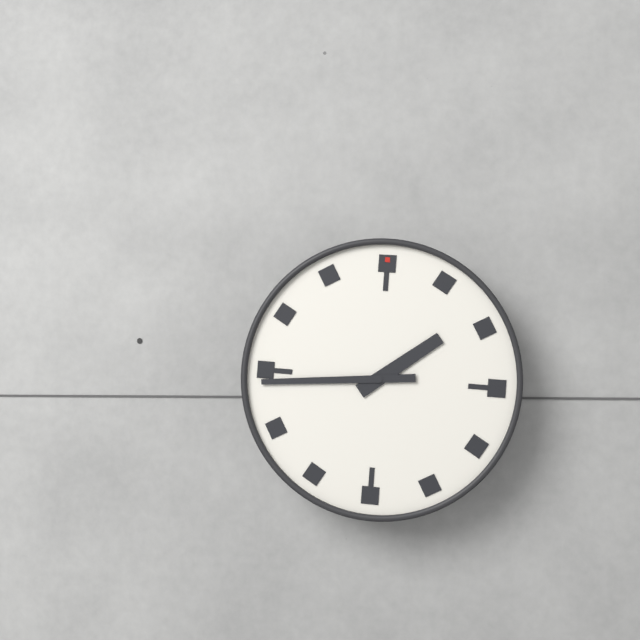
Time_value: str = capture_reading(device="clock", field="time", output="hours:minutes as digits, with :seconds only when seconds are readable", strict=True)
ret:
1:44
